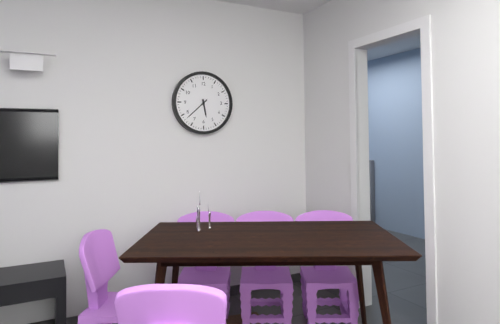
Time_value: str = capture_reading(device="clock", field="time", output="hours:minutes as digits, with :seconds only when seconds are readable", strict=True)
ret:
5:38
